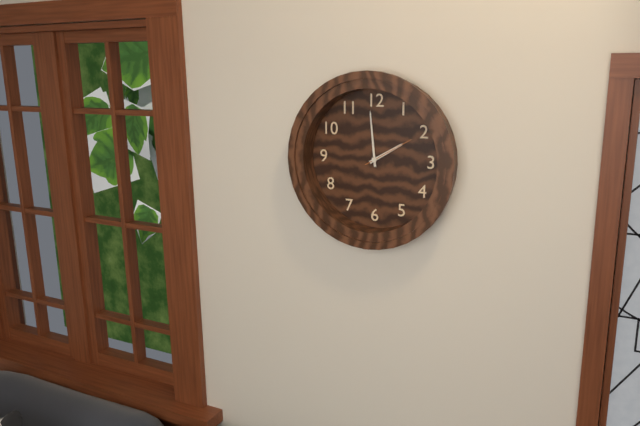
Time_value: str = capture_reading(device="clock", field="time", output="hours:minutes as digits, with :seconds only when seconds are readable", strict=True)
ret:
1:59:10
